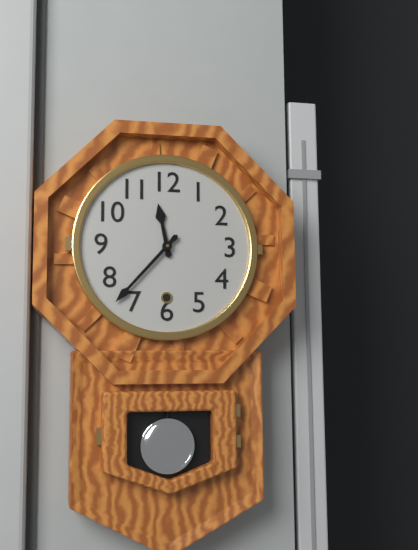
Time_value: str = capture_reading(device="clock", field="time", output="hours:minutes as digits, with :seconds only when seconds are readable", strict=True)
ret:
11:37
